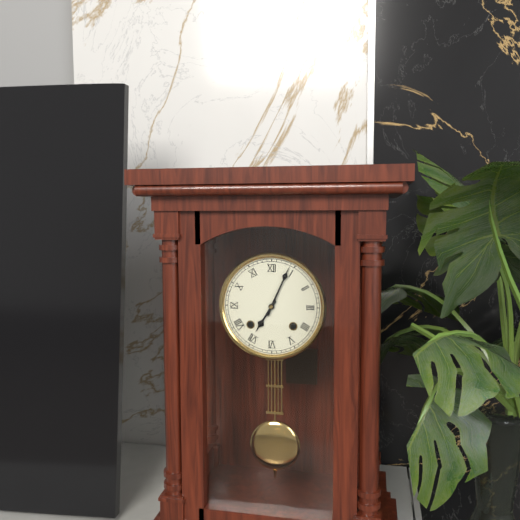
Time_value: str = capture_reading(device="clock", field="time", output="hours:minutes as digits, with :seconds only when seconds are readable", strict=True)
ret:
7:04
